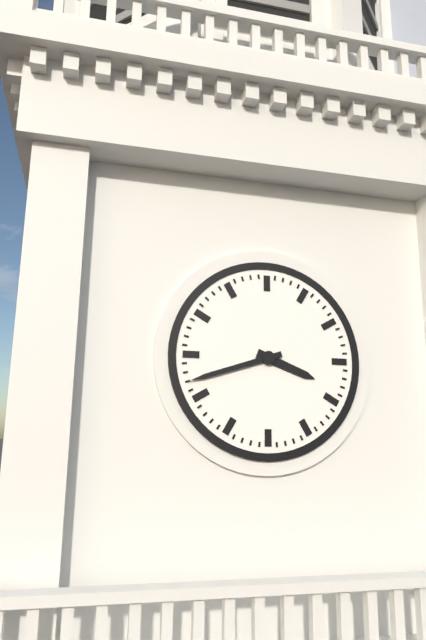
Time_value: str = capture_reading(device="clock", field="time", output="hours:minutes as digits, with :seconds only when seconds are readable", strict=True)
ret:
3:42
